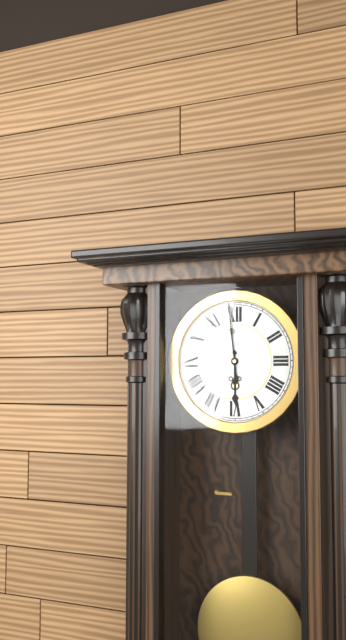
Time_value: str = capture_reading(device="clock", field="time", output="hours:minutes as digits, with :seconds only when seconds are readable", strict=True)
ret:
5:59
